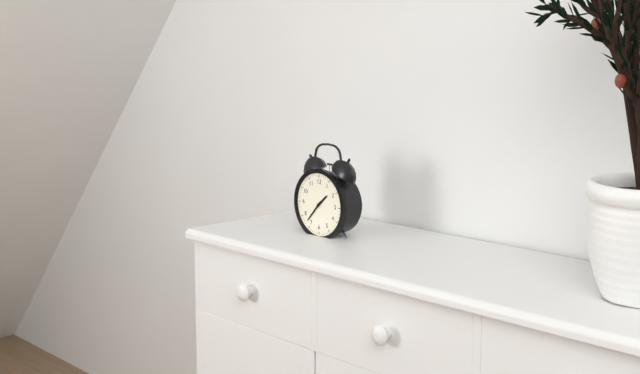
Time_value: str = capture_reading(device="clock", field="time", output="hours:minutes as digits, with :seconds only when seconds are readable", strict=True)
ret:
1:37
